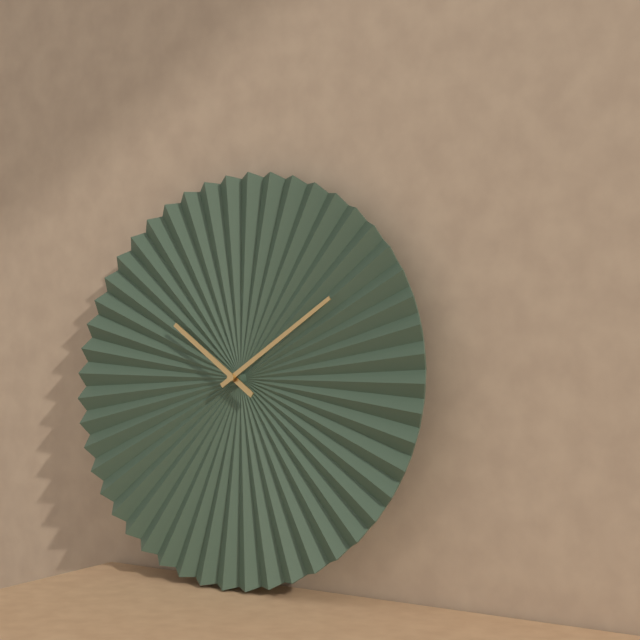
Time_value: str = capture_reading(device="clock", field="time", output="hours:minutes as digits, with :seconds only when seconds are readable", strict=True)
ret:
10:09
